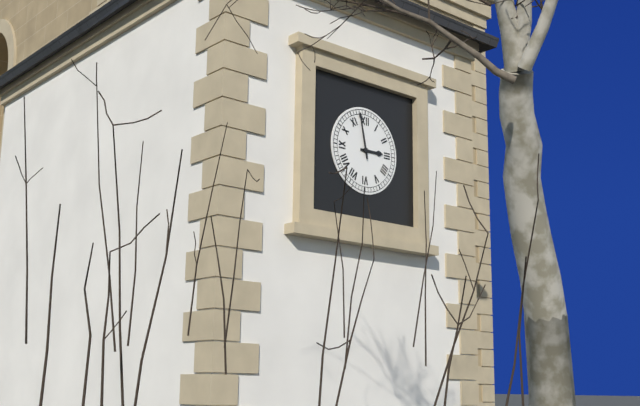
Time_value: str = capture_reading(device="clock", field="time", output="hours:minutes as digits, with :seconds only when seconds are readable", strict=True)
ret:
2:58
